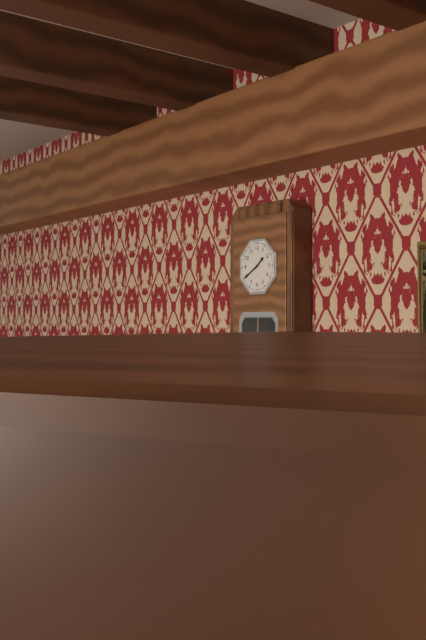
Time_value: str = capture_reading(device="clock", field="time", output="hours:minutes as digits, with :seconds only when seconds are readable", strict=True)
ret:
1:40
